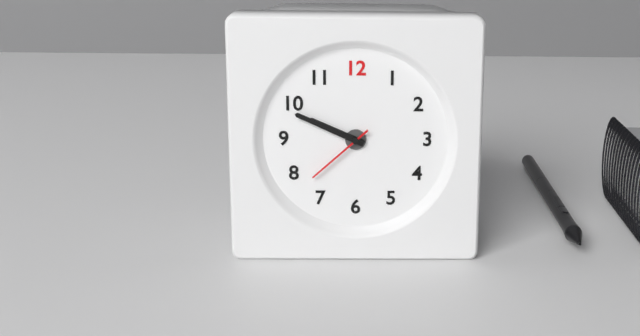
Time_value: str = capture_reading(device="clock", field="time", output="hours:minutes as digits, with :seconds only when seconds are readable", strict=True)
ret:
9:49:38
